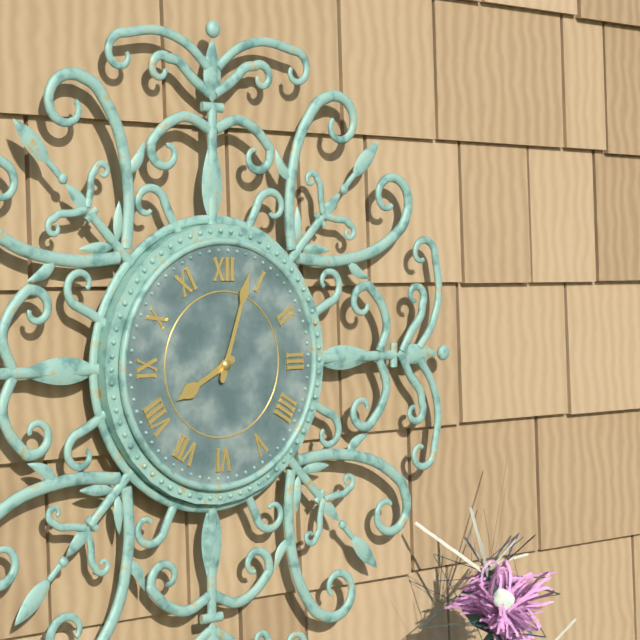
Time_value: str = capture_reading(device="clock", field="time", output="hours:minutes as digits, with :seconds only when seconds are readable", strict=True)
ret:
8:03
